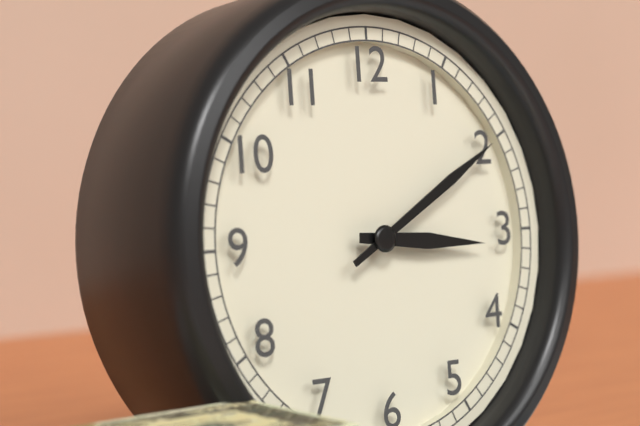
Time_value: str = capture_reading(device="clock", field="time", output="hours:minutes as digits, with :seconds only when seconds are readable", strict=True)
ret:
3:10
